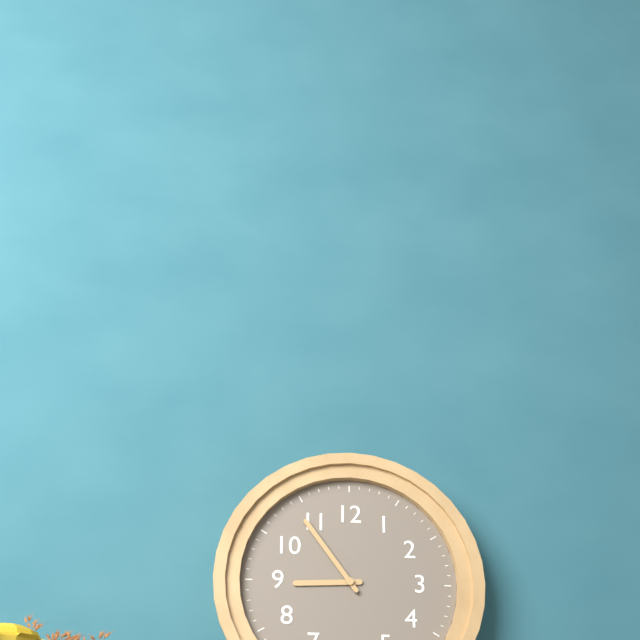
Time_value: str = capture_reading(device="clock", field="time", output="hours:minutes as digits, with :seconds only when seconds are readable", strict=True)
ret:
8:54
